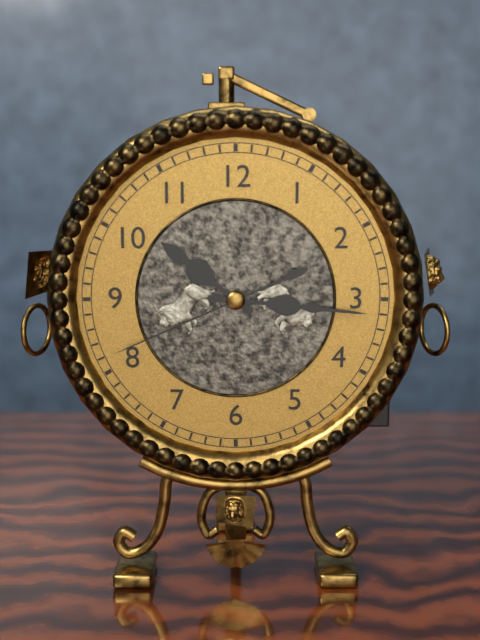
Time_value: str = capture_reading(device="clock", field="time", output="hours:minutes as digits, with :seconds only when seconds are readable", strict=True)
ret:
10:16:41
